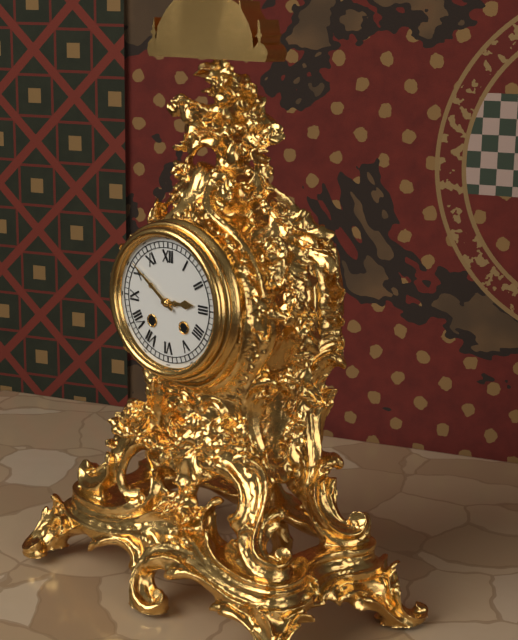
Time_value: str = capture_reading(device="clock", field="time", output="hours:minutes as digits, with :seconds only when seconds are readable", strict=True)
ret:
2:51
